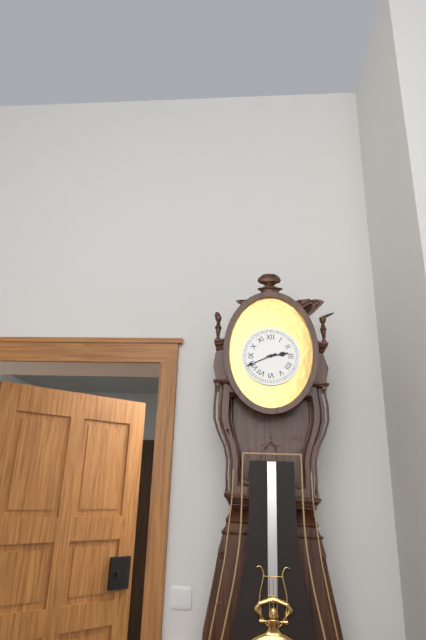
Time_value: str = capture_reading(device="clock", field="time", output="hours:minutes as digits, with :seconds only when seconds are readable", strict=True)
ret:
2:41
